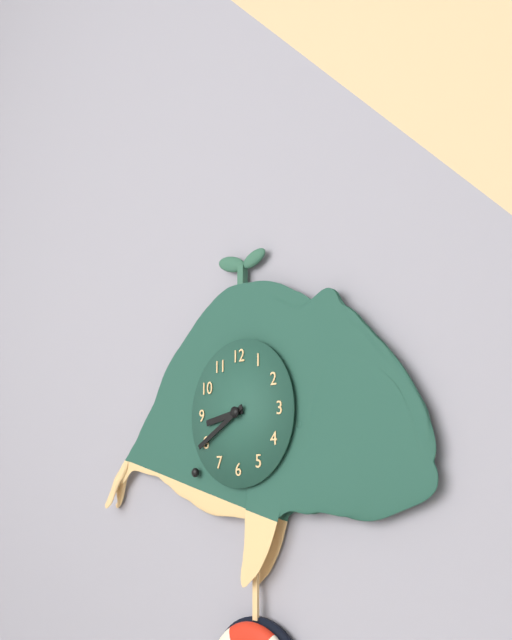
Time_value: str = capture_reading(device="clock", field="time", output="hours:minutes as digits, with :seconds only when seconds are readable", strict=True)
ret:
8:40
